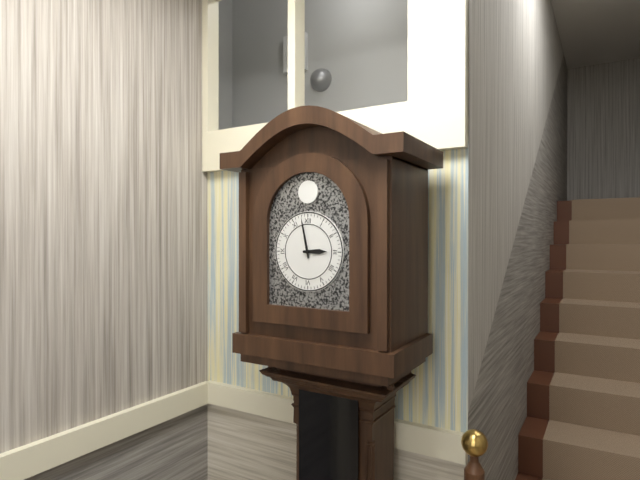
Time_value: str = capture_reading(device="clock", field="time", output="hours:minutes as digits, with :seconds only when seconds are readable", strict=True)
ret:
2:58
